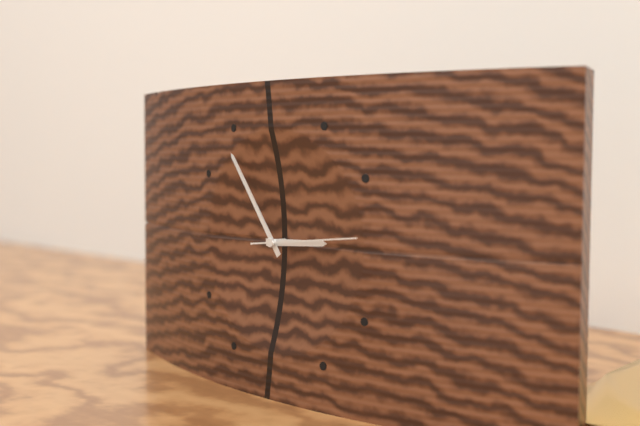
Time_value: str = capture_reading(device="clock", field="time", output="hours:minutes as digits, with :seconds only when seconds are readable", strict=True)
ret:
2:54:14
